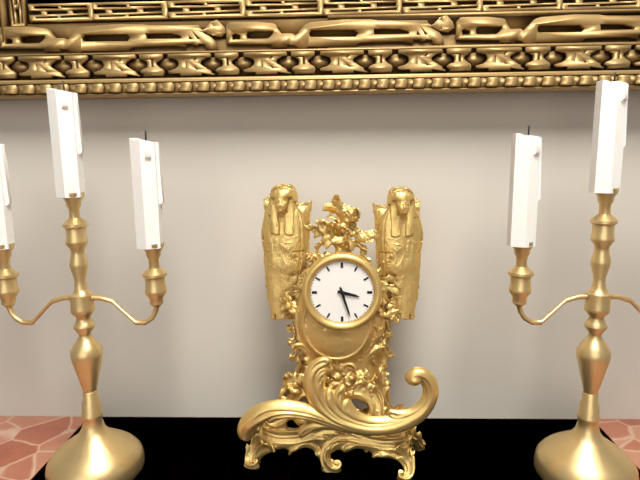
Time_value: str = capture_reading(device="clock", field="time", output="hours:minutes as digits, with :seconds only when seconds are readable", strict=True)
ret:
3:27
